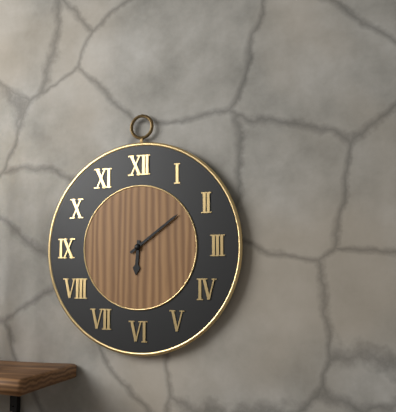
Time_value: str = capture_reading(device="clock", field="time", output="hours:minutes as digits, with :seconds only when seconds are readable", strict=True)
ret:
6:09
